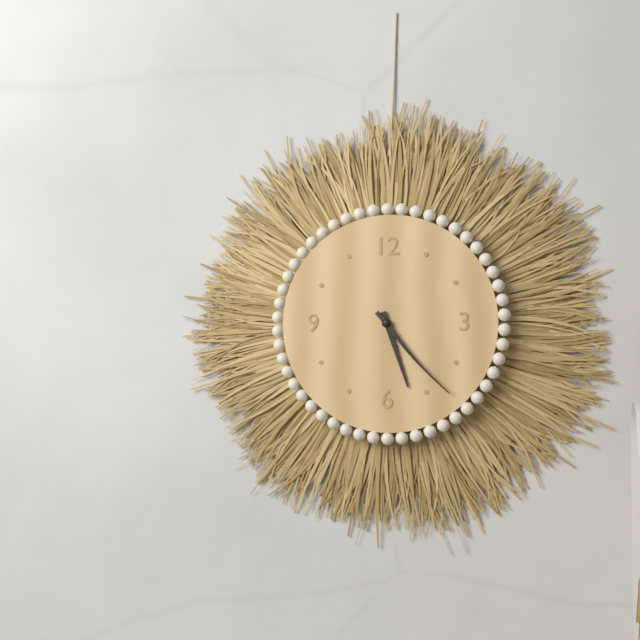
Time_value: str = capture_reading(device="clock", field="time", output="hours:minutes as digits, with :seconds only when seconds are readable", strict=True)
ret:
5:23
